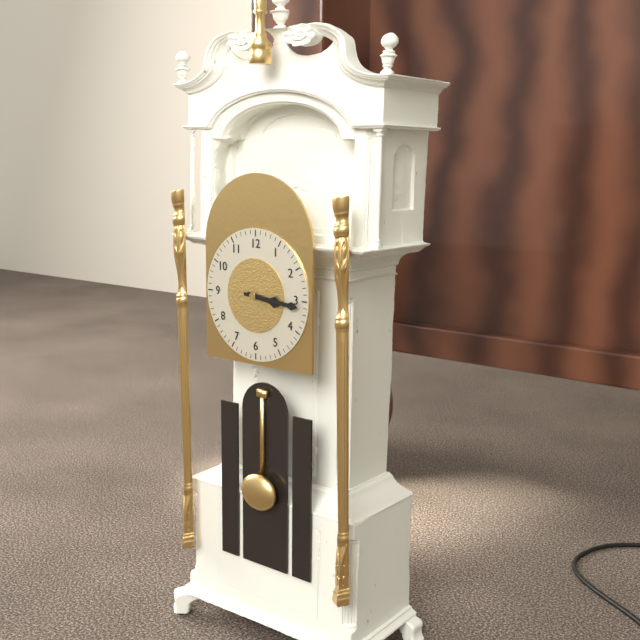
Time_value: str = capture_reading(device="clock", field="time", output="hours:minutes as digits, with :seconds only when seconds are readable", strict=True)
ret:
3:16
